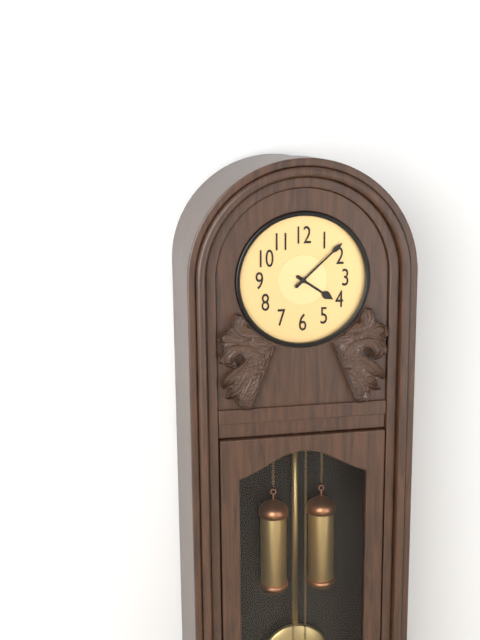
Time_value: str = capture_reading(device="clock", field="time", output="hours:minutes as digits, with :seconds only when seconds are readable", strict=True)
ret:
4:08
